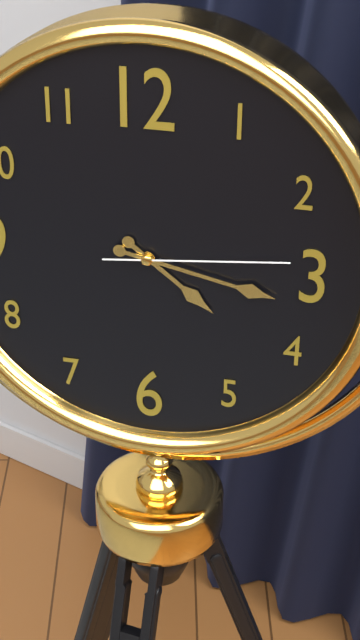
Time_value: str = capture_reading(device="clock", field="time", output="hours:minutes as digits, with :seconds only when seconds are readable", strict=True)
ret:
4:17:14
